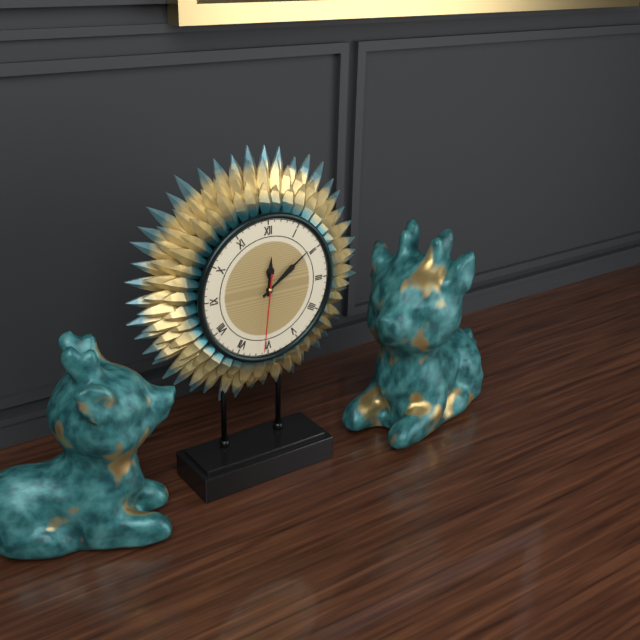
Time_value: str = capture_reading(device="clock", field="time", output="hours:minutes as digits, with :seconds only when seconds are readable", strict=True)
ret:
12:09:31
